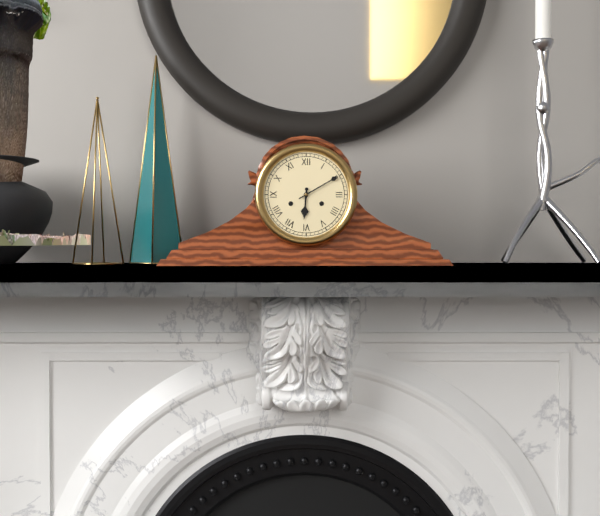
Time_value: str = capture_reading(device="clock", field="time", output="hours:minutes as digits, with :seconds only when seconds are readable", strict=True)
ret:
6:10
